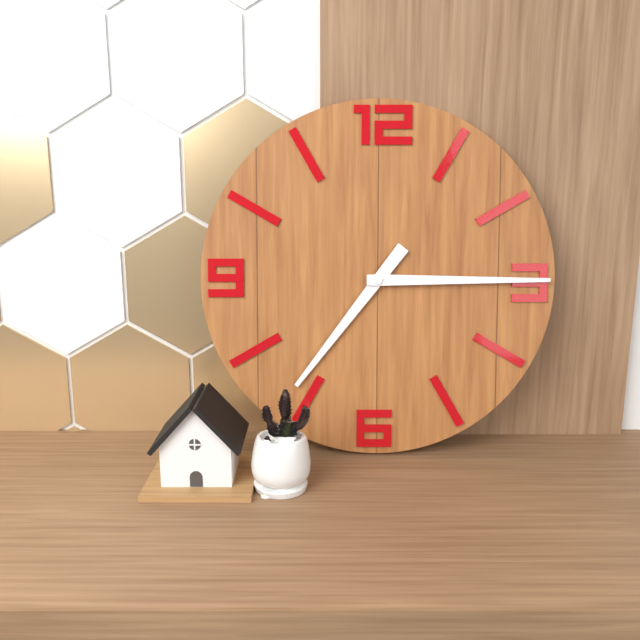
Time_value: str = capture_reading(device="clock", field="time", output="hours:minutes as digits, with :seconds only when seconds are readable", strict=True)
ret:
7:15
